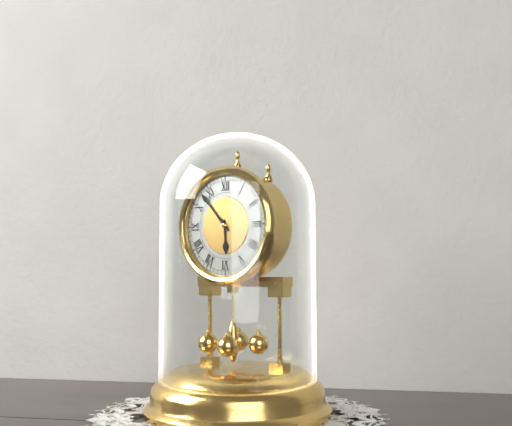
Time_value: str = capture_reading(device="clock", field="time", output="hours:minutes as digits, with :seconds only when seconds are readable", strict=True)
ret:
5:53
